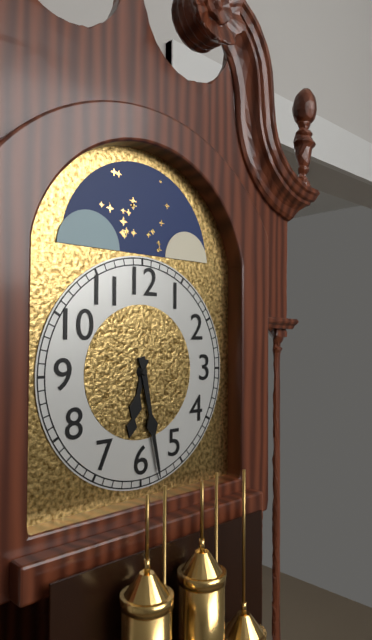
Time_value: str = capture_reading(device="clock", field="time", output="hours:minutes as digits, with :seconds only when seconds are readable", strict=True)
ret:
6:28
